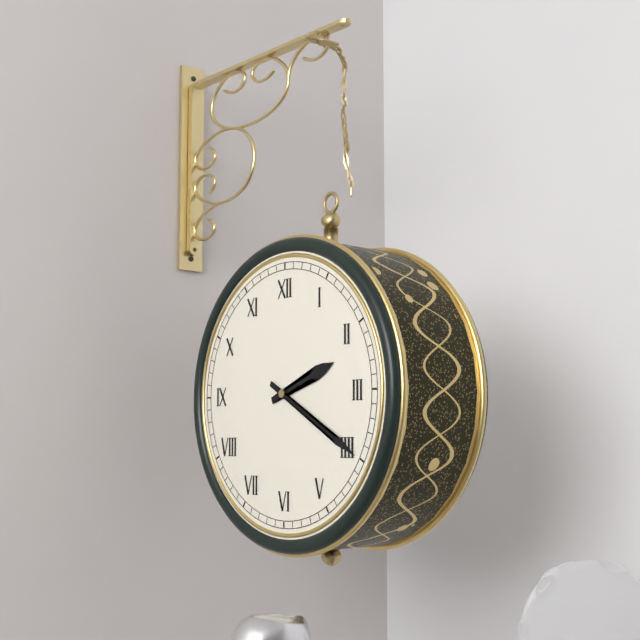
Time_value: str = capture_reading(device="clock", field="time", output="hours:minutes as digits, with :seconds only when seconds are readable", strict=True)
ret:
2:20
